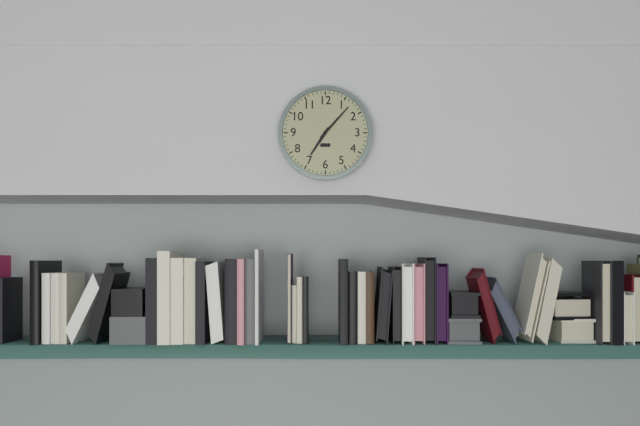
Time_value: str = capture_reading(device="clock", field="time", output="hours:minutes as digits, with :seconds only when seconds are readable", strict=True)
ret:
7:07
